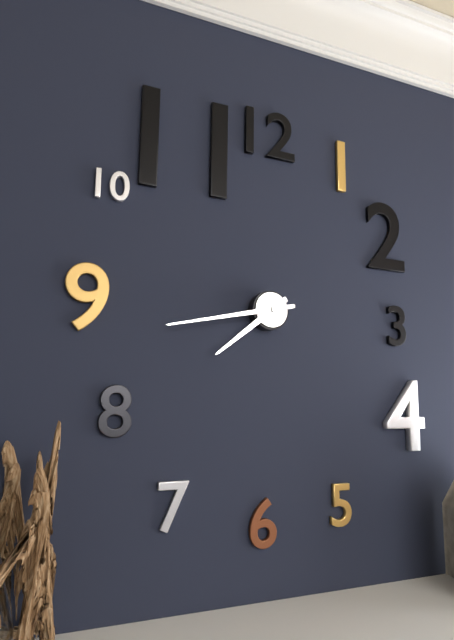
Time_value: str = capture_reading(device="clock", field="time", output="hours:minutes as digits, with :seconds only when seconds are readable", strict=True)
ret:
7:43
